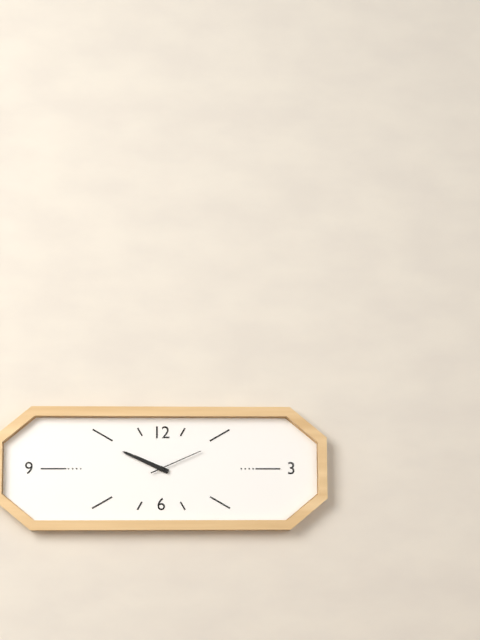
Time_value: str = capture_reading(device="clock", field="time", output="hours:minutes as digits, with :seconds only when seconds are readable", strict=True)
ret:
9:49:11
